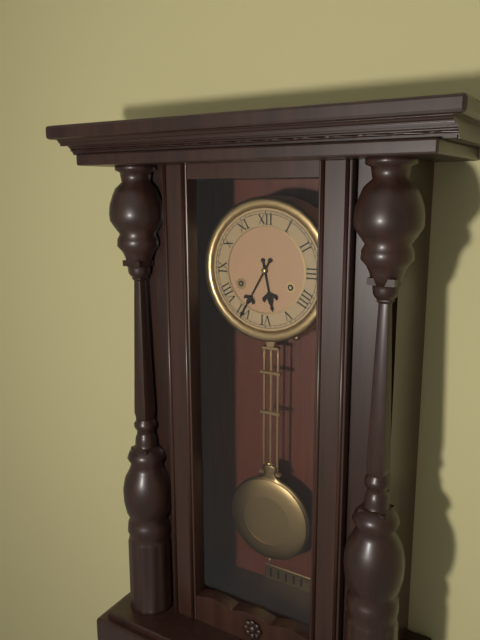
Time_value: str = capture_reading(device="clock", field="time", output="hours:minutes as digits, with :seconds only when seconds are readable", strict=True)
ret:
5:35
